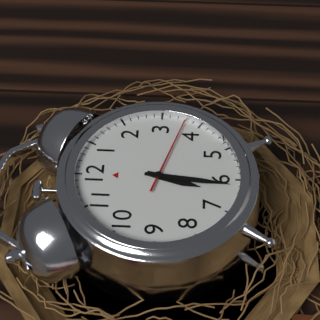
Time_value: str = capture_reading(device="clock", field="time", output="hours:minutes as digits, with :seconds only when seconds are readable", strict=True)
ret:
6:31:18
